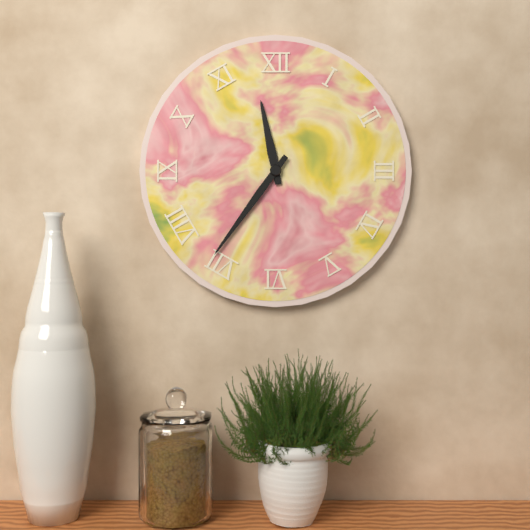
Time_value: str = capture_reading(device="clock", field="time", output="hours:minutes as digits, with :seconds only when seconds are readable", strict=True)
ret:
11:36
